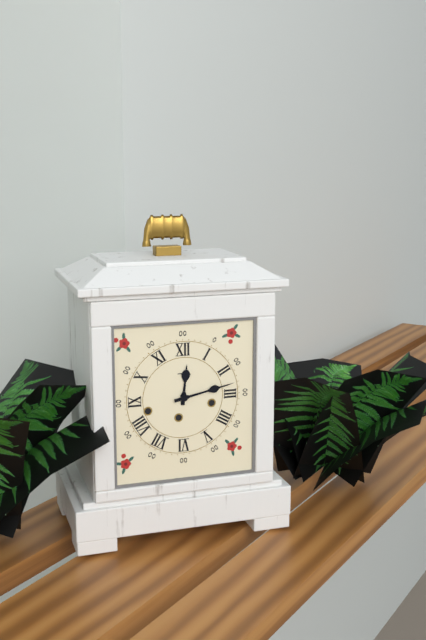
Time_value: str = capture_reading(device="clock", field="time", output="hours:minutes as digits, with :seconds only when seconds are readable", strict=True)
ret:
12:13
